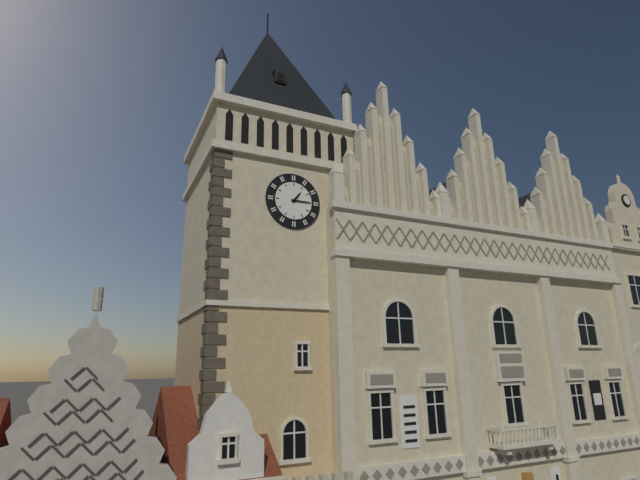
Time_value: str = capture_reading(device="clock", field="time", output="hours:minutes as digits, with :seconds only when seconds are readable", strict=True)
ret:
1:15
